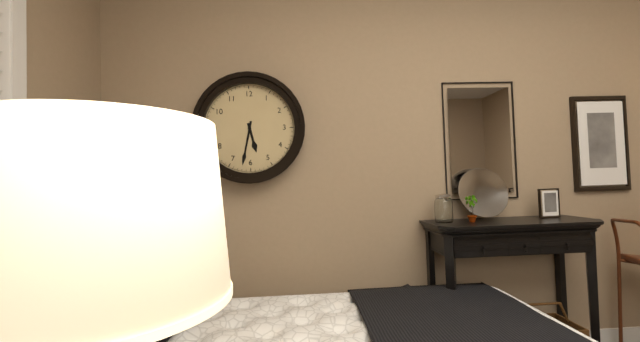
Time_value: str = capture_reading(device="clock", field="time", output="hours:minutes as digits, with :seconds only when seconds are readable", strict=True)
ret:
5:32
